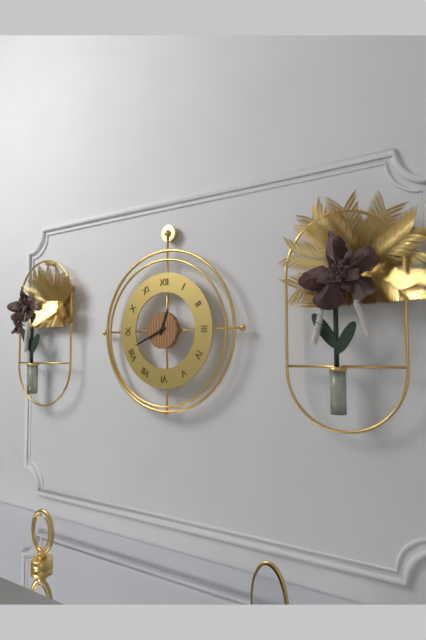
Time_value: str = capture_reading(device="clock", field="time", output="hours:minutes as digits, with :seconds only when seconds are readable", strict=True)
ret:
12:41
